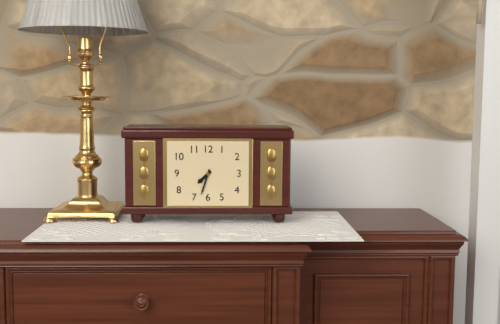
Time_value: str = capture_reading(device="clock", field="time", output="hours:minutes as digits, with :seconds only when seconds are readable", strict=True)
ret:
7:33
